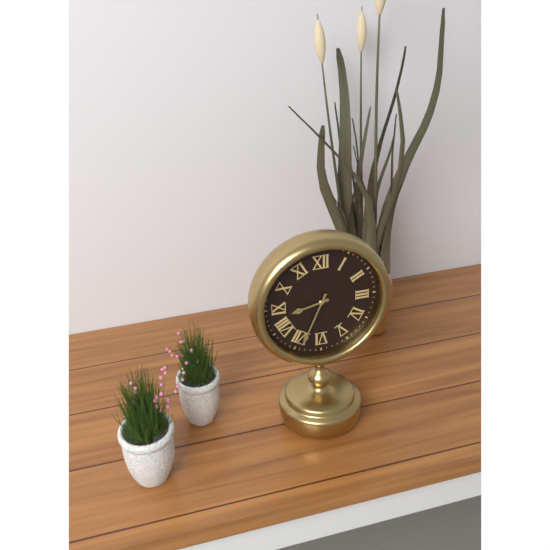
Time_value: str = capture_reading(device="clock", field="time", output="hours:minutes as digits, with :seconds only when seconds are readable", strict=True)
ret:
8:34
